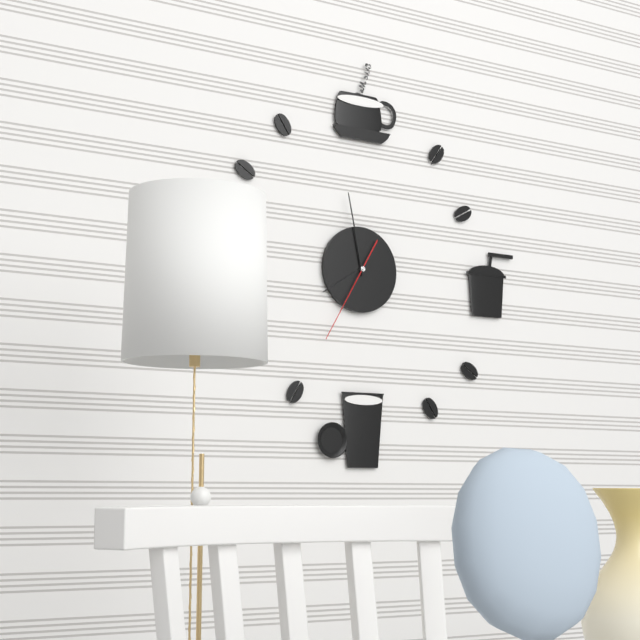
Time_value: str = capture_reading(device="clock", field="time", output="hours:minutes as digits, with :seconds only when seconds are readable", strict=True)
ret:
7:58:35
